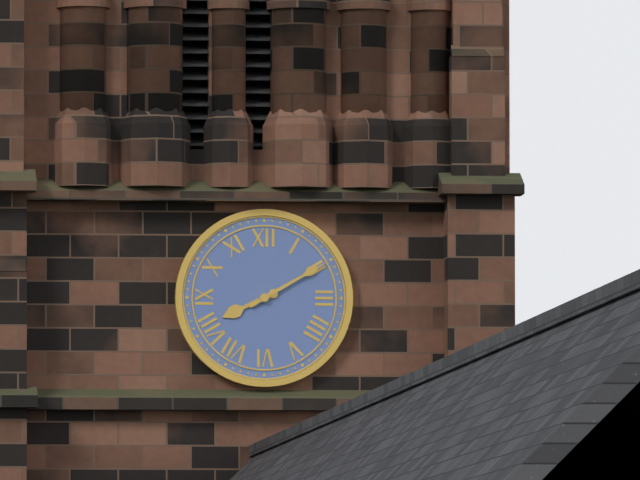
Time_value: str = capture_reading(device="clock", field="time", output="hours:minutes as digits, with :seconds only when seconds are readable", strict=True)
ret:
8:10
